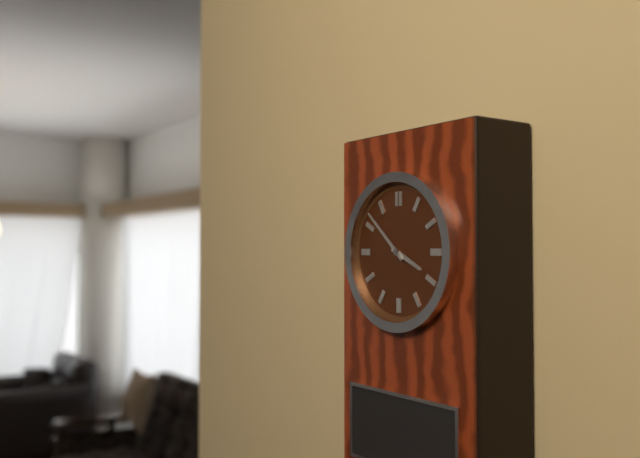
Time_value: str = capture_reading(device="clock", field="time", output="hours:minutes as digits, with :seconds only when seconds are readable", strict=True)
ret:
3:52
